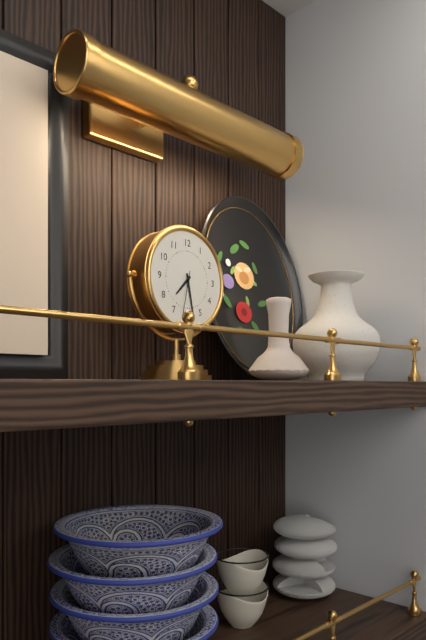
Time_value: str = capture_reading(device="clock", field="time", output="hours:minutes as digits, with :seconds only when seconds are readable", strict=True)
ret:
7:28
